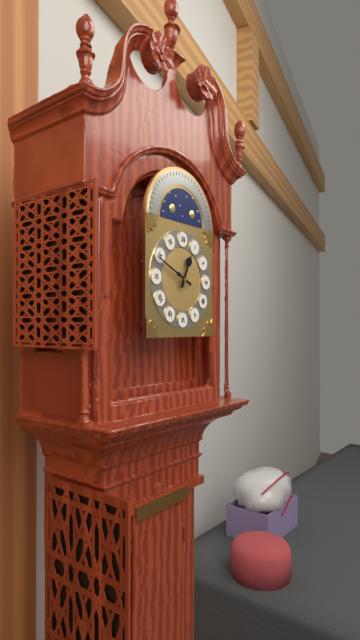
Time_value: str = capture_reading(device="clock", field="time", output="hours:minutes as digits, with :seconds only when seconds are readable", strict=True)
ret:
12:49
